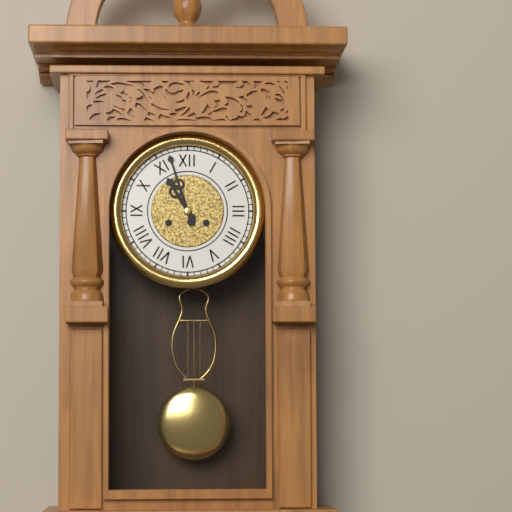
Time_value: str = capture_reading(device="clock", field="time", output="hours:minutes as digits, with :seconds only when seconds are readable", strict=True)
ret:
10:57
